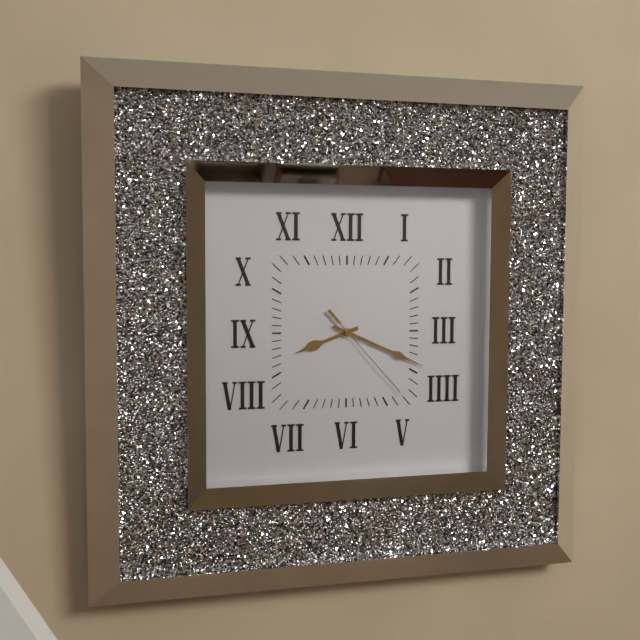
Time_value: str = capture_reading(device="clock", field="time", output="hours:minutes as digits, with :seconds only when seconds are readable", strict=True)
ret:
8:19:23
